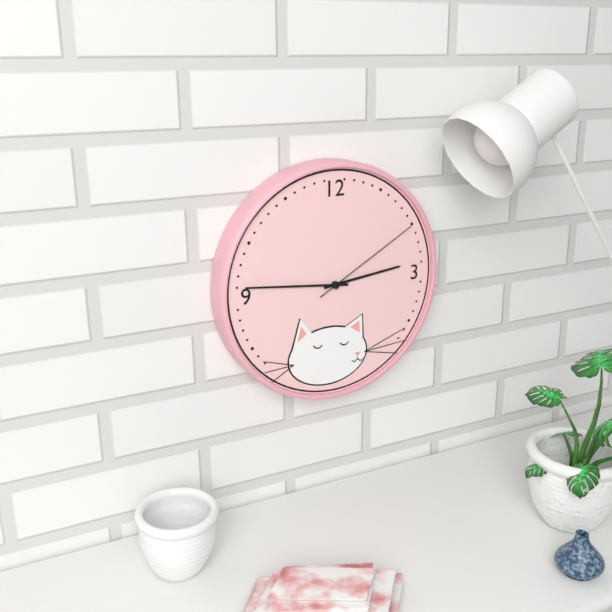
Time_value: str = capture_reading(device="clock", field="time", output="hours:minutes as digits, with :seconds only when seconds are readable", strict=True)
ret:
2:46:10
